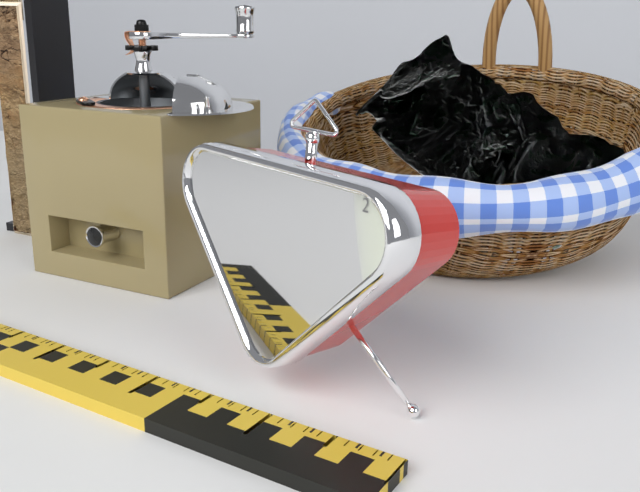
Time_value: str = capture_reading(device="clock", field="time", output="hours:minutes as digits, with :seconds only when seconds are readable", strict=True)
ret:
11:34:37
